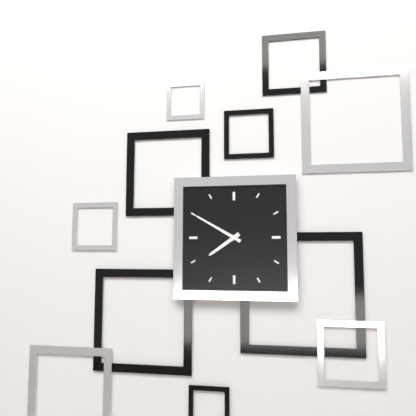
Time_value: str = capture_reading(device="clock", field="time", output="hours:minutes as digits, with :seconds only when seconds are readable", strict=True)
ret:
7:50
